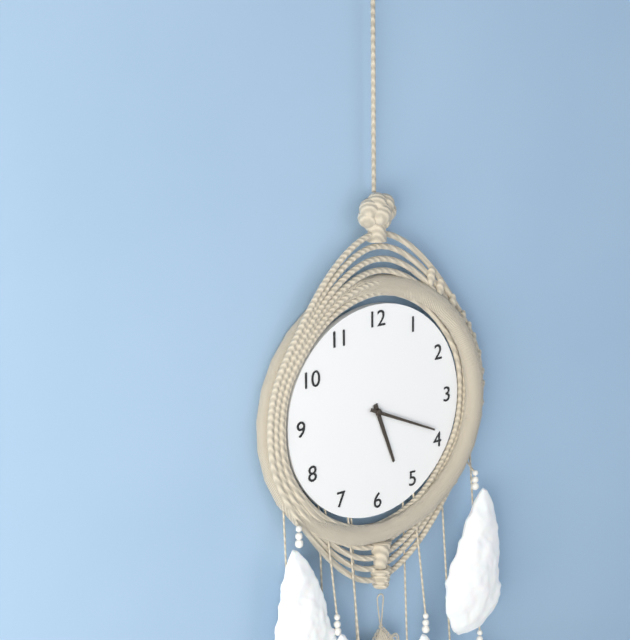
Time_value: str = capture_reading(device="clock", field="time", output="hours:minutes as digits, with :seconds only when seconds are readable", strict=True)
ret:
5:19
